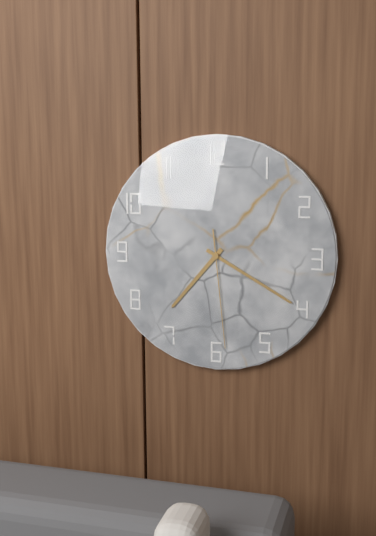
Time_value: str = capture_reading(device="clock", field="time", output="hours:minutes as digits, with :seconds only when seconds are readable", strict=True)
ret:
7:20:29
